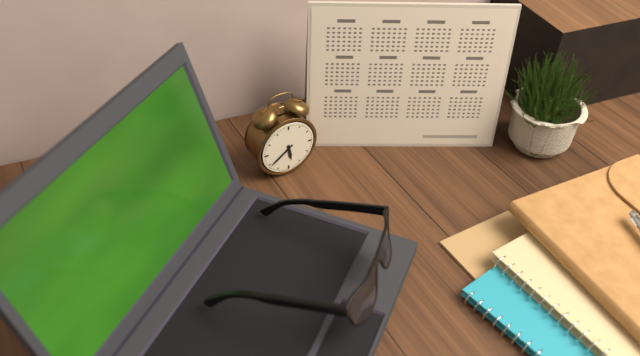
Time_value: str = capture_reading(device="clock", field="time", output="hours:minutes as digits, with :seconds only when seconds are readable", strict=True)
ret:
5:39
